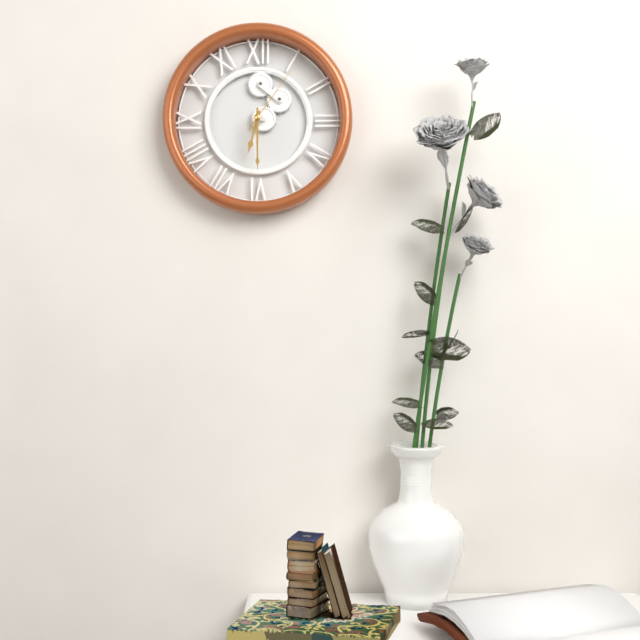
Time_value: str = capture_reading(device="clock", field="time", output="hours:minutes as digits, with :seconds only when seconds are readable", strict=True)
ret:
6:30:06
